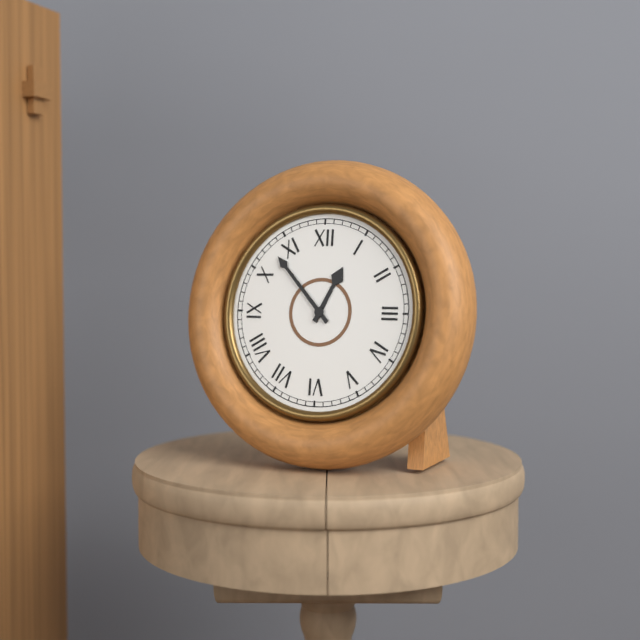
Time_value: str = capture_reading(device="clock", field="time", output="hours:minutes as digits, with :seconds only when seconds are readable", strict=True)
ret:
12:53
